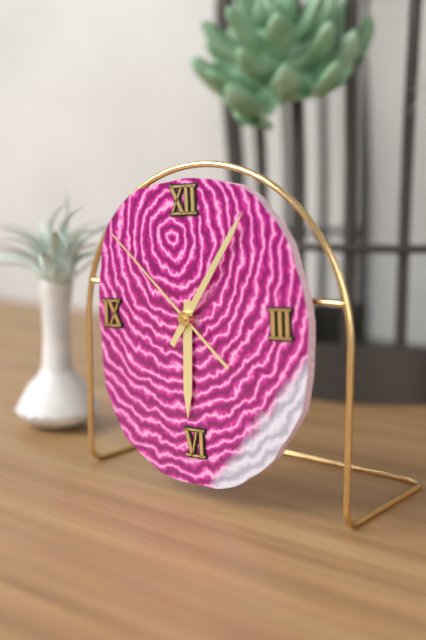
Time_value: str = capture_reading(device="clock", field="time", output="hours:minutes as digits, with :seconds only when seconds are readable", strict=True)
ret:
6:06:52
